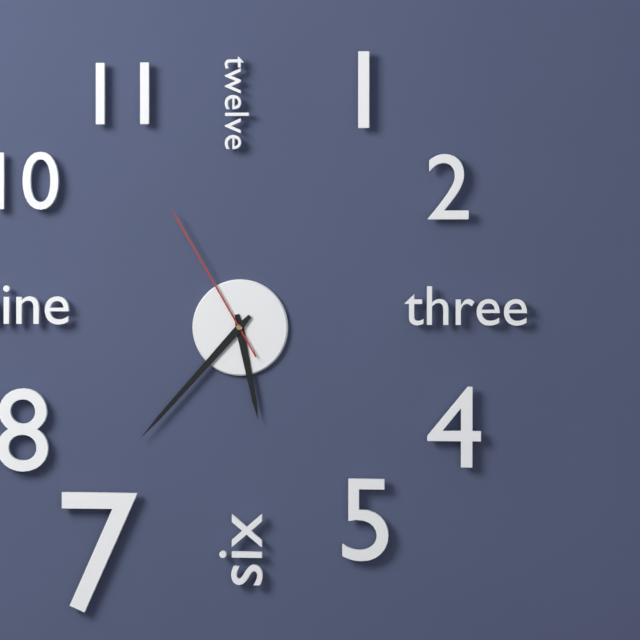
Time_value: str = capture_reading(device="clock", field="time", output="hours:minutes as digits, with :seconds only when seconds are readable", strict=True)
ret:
5:37:55
